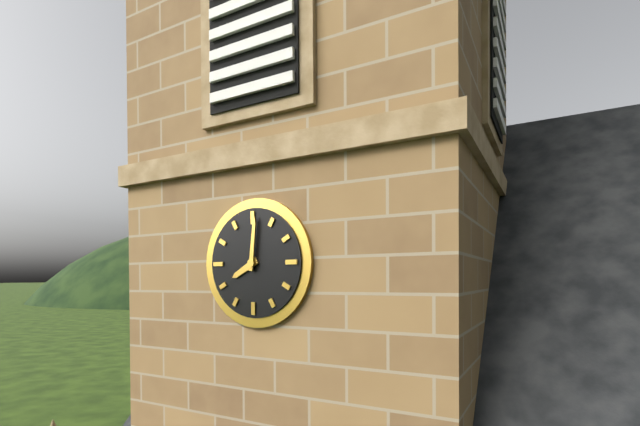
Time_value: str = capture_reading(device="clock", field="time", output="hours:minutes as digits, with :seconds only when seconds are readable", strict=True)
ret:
8:01
